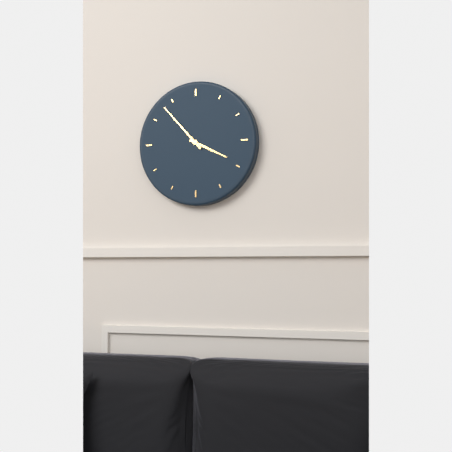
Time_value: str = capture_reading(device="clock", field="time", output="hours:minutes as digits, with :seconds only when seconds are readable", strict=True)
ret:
3:53
